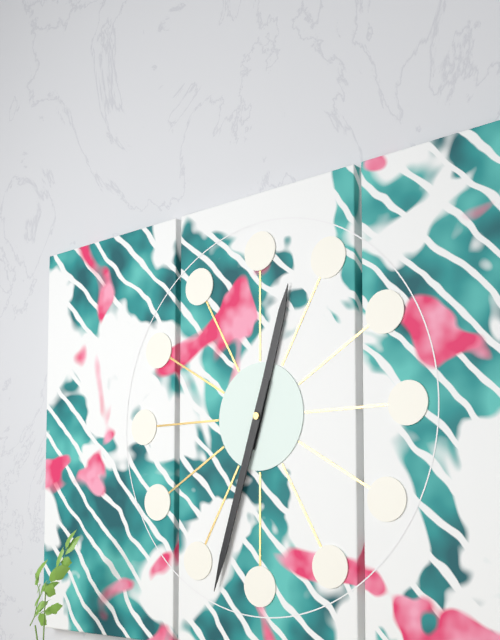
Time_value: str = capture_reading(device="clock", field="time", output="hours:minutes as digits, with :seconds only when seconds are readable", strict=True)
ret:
12:33
